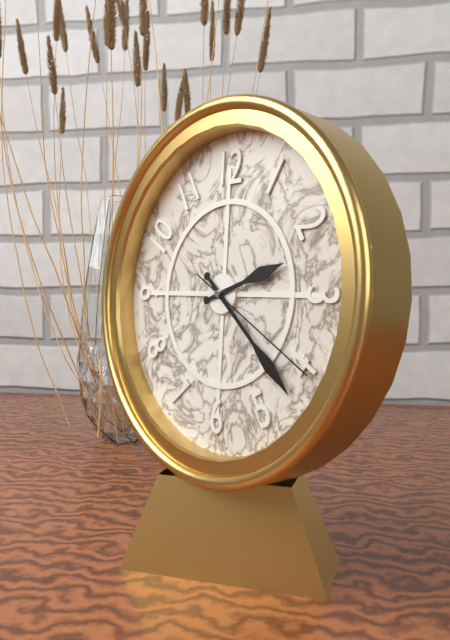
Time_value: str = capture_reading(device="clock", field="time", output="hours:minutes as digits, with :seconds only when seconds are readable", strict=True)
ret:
2:22:20
